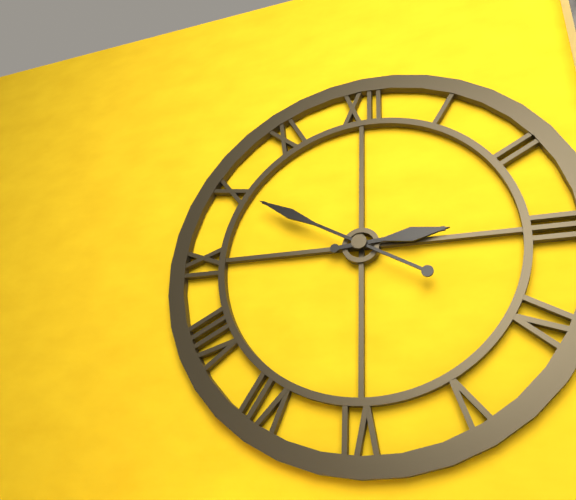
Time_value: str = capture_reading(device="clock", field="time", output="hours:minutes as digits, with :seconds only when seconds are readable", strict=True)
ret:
2:50
